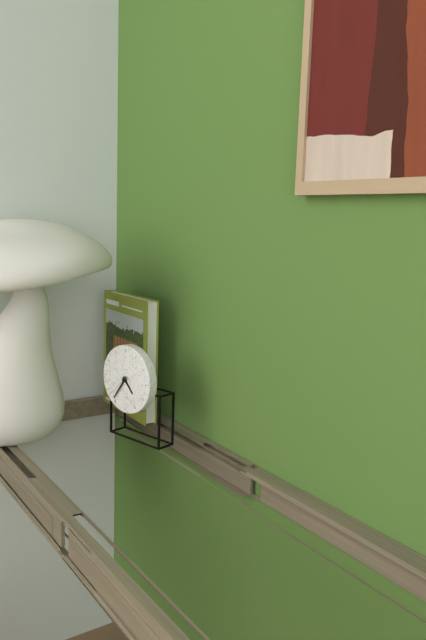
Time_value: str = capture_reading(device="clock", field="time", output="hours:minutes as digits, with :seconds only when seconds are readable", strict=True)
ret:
4:36
